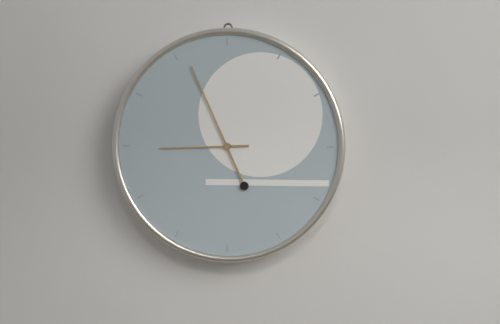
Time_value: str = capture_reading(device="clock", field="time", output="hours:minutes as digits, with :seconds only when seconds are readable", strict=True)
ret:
8:56
